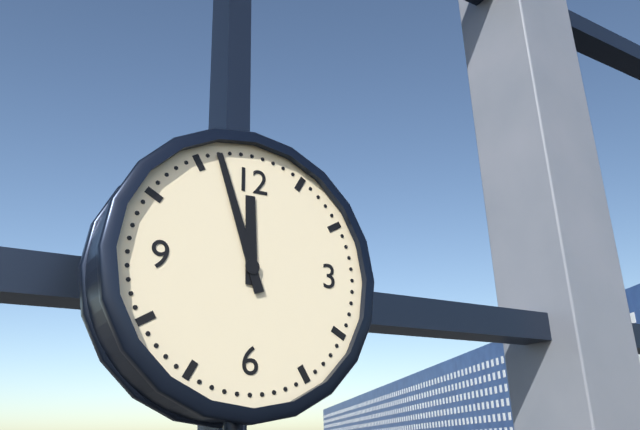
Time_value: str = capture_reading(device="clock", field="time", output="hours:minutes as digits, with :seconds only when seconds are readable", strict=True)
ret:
11:57
